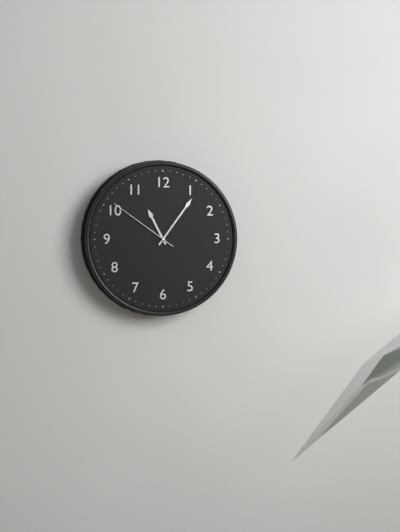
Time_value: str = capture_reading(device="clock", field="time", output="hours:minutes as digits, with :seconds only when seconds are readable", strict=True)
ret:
11:06:51
